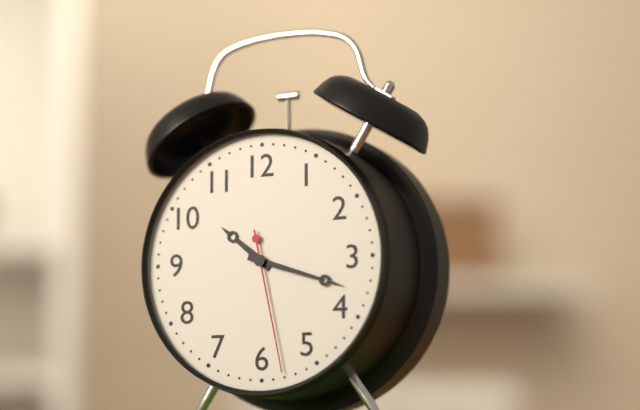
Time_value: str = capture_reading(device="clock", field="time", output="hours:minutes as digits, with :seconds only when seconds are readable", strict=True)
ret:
10:18:28
